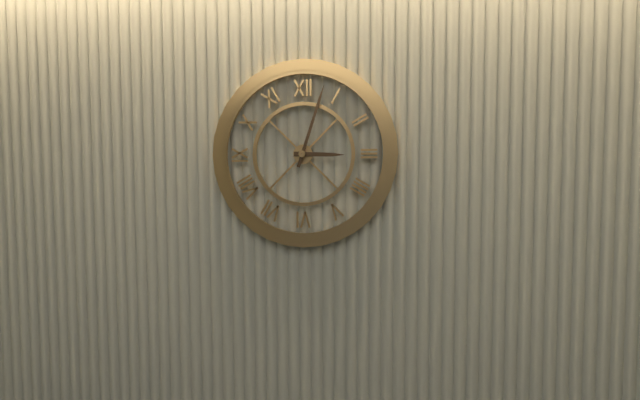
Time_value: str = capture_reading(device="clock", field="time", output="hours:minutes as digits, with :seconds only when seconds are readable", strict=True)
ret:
3:03
